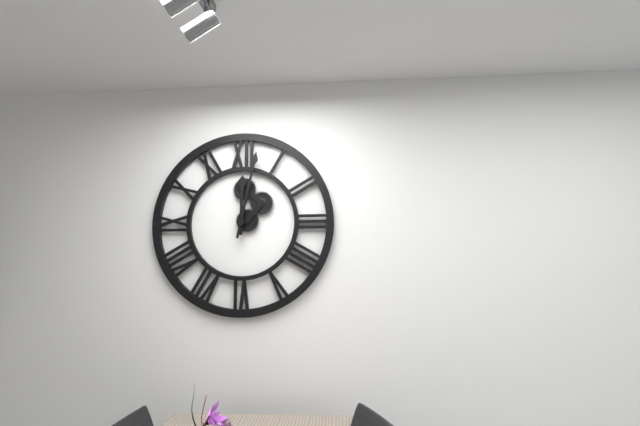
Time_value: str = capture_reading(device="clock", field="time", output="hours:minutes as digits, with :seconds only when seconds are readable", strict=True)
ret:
12:02
